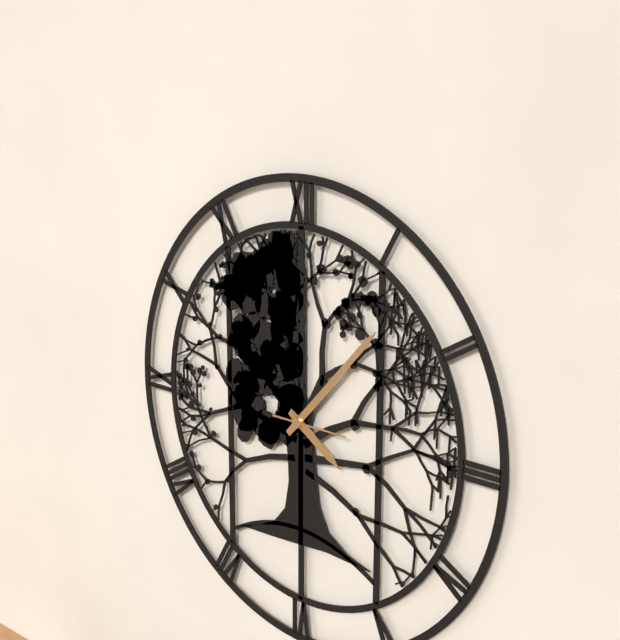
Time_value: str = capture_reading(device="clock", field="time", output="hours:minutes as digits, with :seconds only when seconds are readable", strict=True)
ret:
4:07:15
